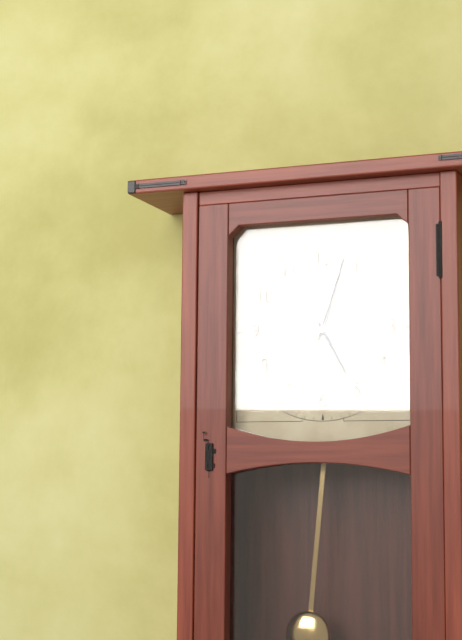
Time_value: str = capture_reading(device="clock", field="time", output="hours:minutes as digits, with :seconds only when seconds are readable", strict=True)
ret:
5:03
